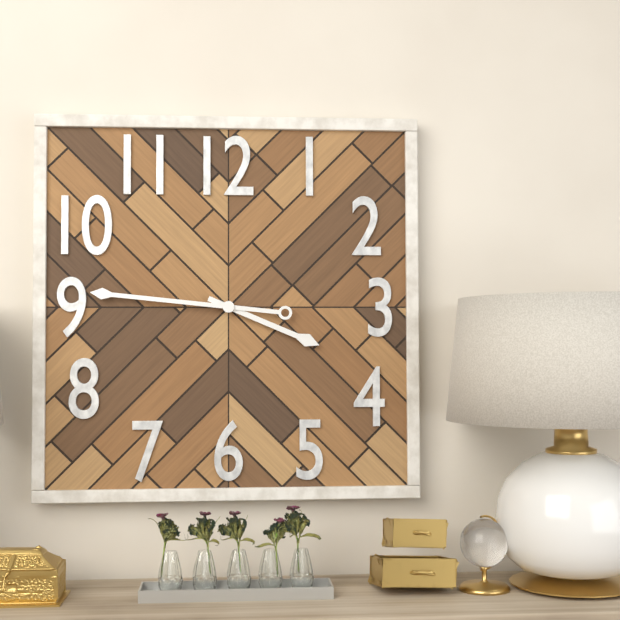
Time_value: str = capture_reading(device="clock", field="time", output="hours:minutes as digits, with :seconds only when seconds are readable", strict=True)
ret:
3:46
